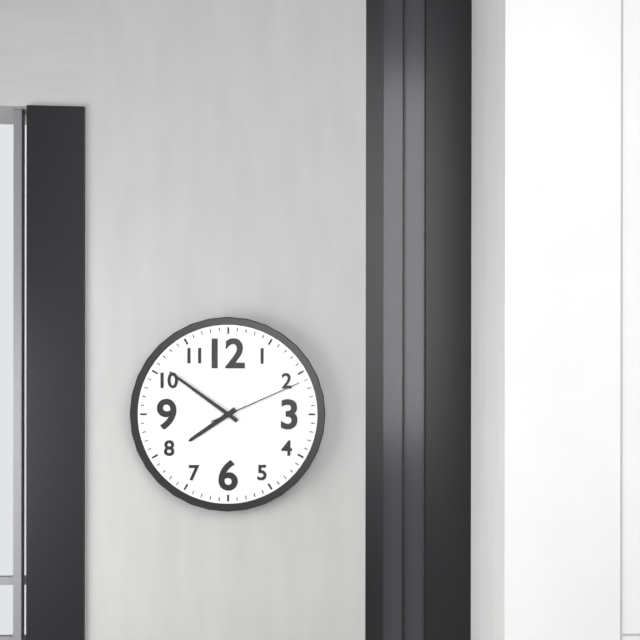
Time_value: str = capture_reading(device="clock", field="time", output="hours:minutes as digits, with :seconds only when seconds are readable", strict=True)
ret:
7:51:11
